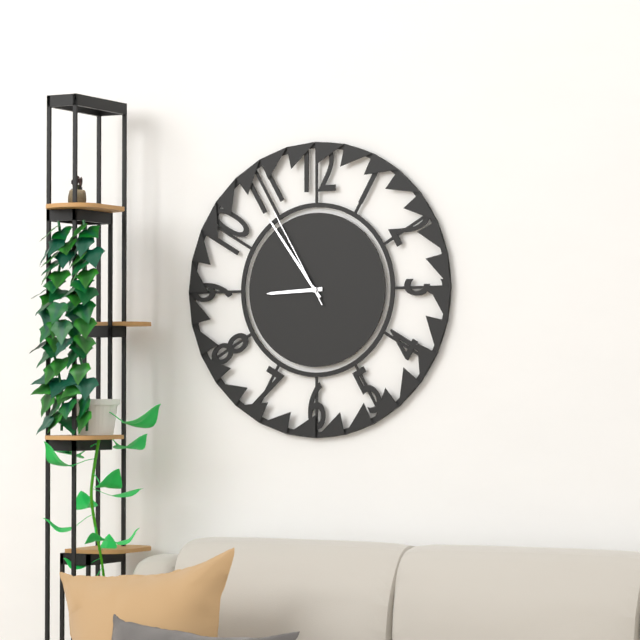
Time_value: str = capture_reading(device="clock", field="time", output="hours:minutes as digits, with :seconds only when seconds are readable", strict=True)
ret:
8:54:55
